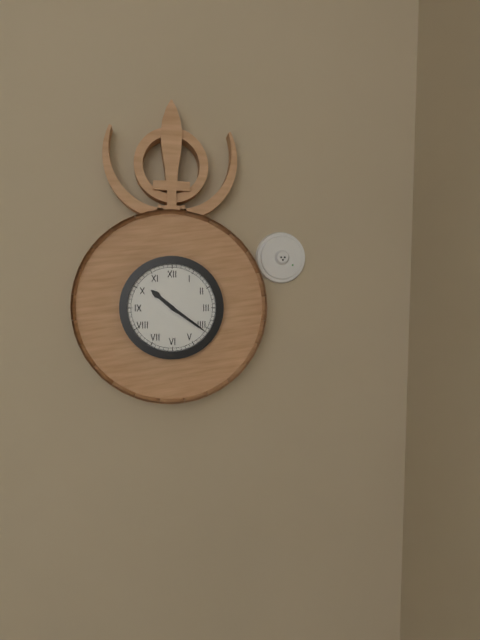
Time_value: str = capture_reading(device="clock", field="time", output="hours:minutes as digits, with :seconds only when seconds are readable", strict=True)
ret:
10:21
